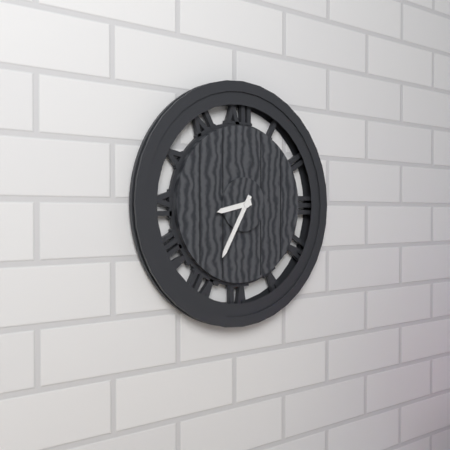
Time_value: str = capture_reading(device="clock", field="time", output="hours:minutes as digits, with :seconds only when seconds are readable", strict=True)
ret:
8:35
